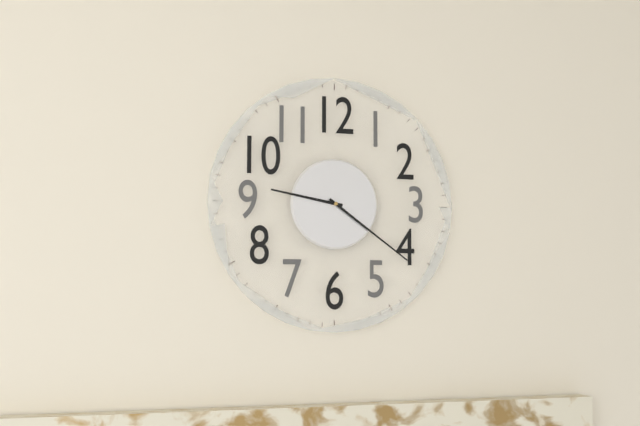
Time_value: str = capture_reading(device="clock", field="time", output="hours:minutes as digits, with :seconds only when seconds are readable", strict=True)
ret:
9:21
